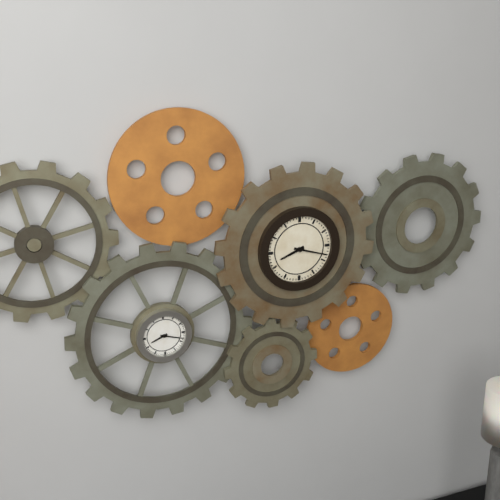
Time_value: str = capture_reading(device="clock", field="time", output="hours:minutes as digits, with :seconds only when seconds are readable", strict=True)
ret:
8:18
